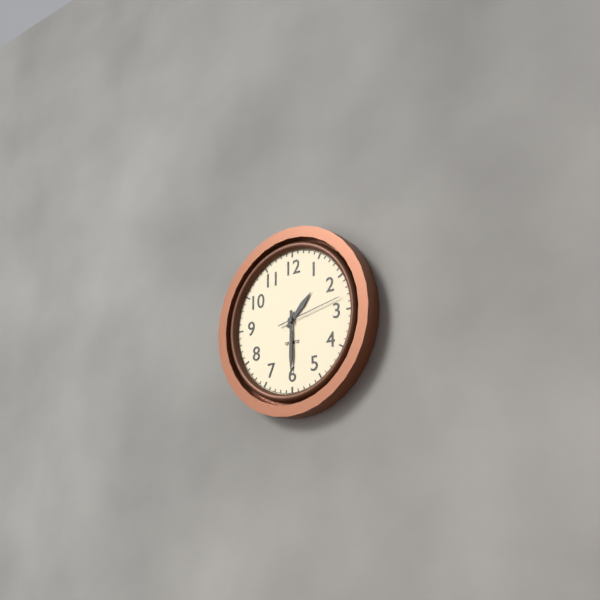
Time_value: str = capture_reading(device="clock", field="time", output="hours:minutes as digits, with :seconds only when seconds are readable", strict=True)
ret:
1:30:13
